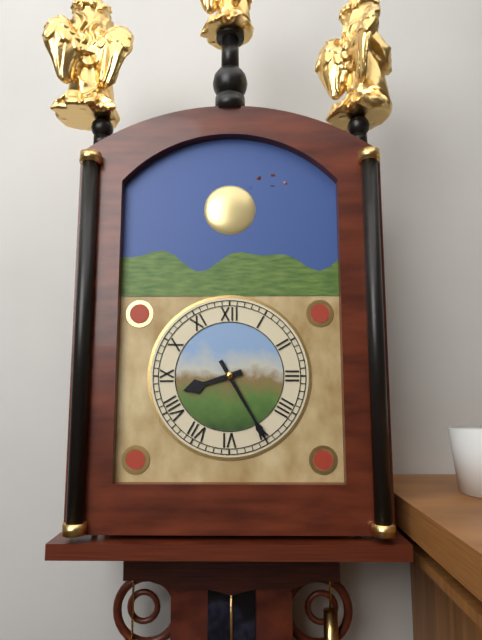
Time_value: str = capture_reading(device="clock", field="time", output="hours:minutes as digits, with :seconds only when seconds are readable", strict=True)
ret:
8:25
